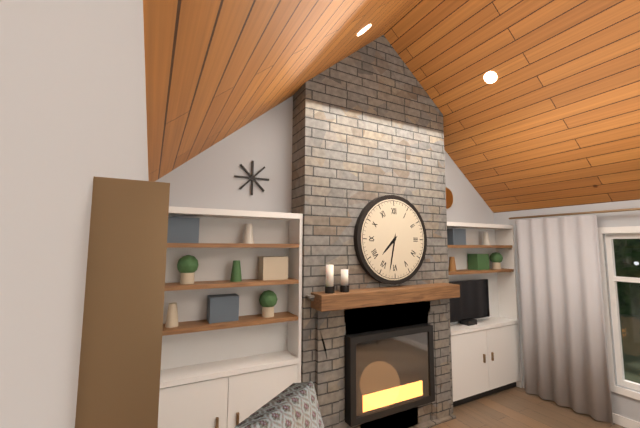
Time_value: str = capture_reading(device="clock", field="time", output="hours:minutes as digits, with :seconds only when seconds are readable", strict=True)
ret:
7:32
